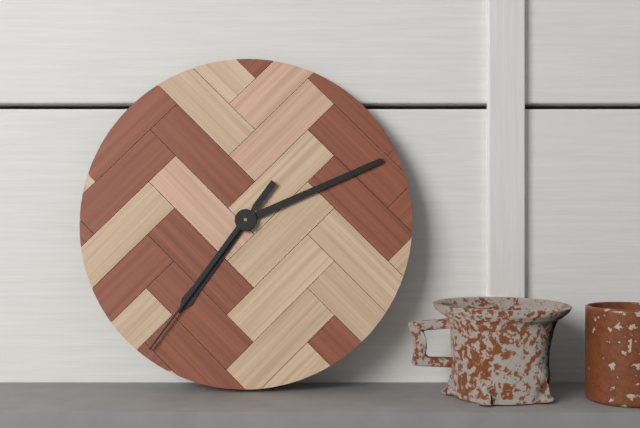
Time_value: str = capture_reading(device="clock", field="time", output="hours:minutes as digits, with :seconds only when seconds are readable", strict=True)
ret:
7:11:36
